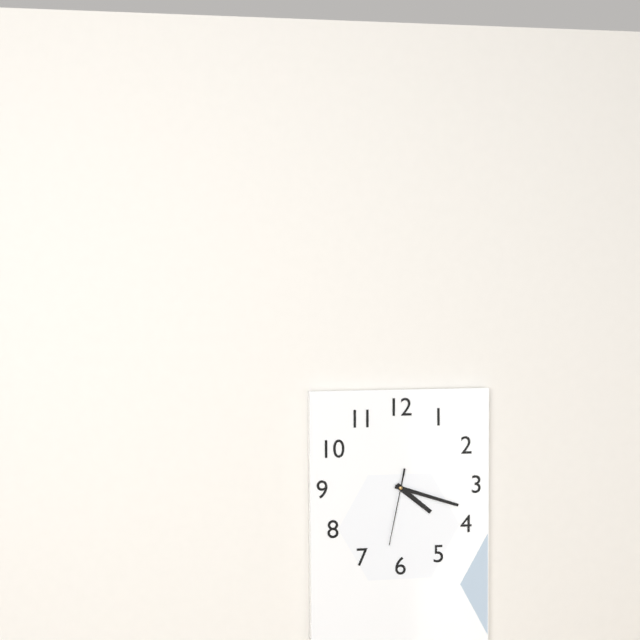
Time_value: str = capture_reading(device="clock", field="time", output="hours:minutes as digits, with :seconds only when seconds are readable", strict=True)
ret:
4:18:32
